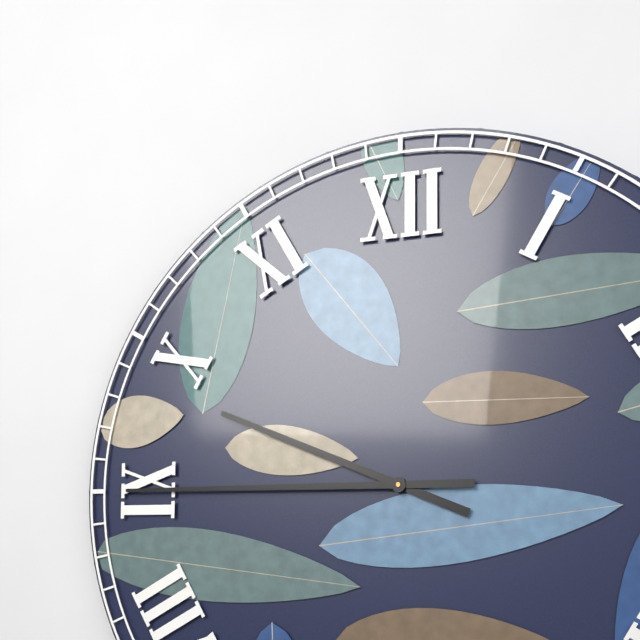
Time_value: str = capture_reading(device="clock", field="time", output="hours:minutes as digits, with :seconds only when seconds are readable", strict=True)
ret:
9:45
